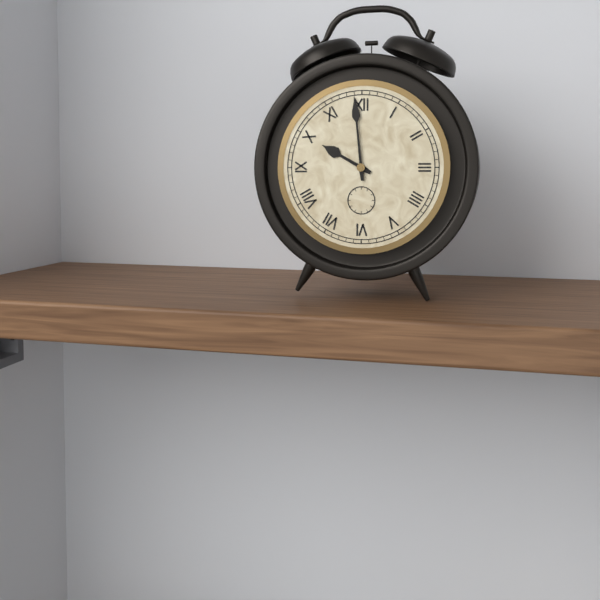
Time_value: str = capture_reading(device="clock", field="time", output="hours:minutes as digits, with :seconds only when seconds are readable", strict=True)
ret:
9:59
